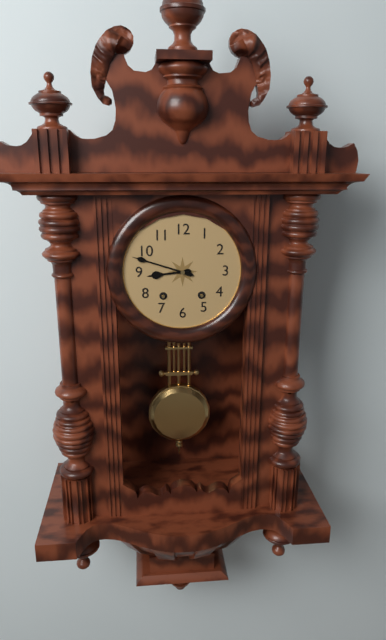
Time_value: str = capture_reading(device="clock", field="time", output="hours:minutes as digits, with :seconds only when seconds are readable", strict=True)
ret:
8:48
